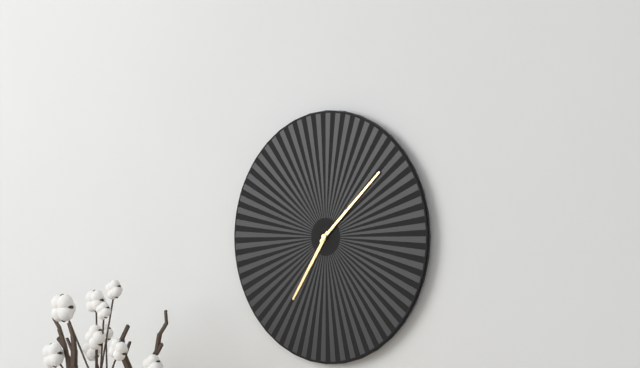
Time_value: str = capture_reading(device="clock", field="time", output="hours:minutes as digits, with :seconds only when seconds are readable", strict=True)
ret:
7:08
